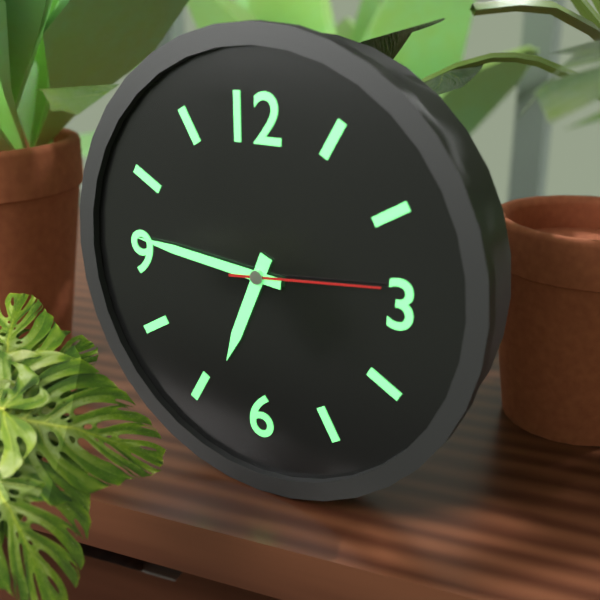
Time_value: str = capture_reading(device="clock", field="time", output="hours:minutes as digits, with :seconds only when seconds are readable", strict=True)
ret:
6:46:14
